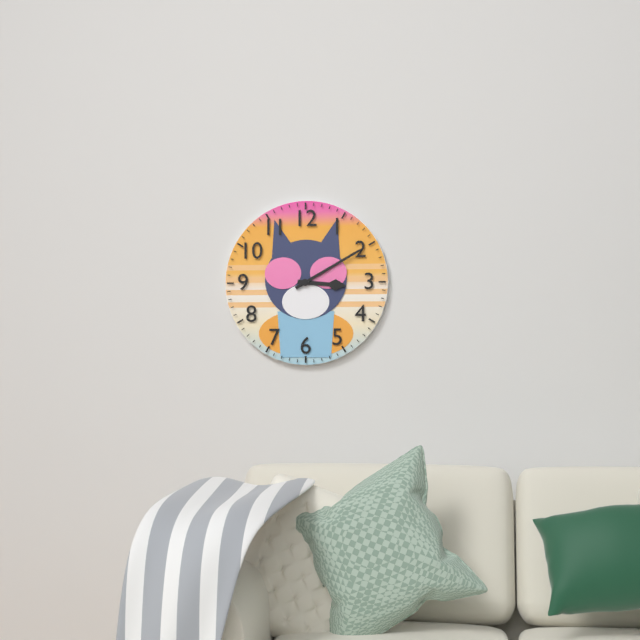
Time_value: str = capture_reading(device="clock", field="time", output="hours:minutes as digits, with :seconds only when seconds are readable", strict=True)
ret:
3:10
